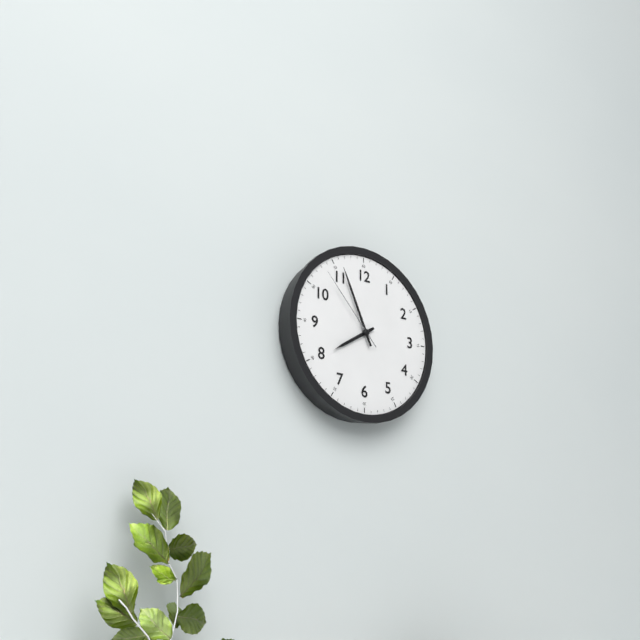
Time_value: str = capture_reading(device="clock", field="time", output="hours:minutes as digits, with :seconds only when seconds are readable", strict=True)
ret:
7:56:53
